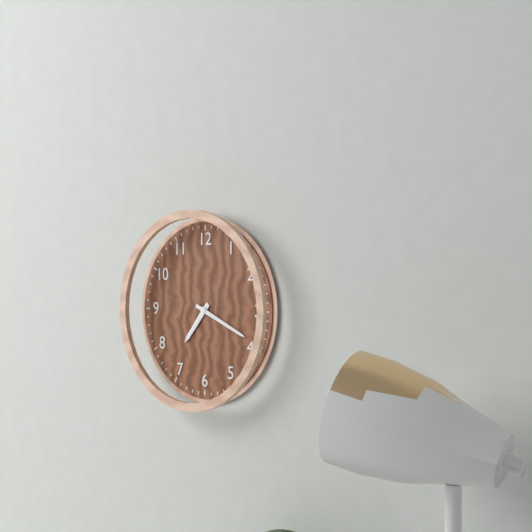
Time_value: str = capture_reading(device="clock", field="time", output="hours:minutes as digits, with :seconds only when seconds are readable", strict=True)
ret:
7:19
